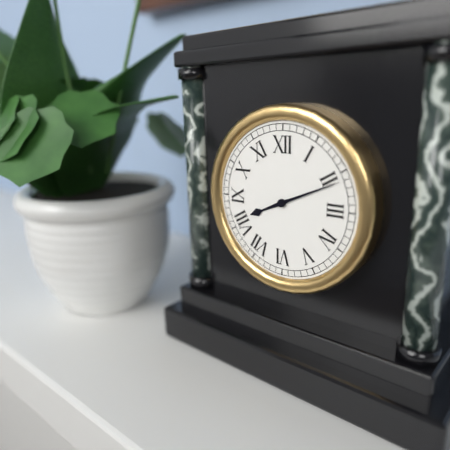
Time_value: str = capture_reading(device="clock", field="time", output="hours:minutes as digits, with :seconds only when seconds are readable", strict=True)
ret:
8:11
